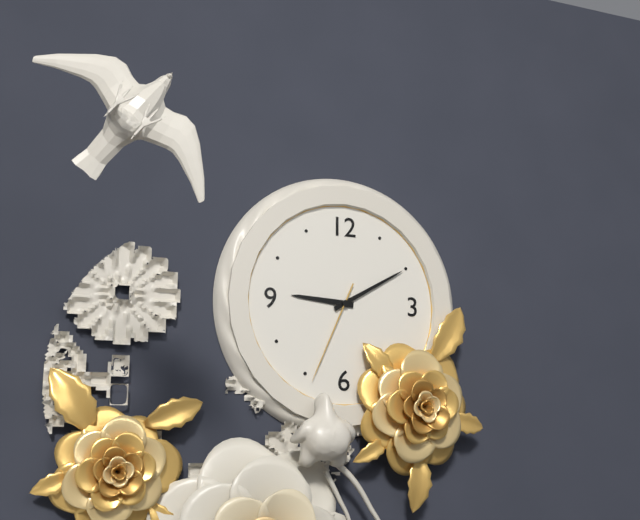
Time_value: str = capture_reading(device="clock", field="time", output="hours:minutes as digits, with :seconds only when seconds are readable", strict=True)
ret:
9:10:34
